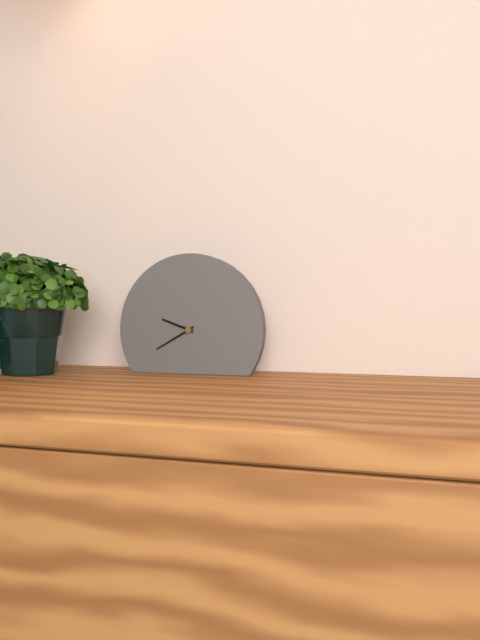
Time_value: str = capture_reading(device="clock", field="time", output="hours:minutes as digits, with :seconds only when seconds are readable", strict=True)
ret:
9:40
